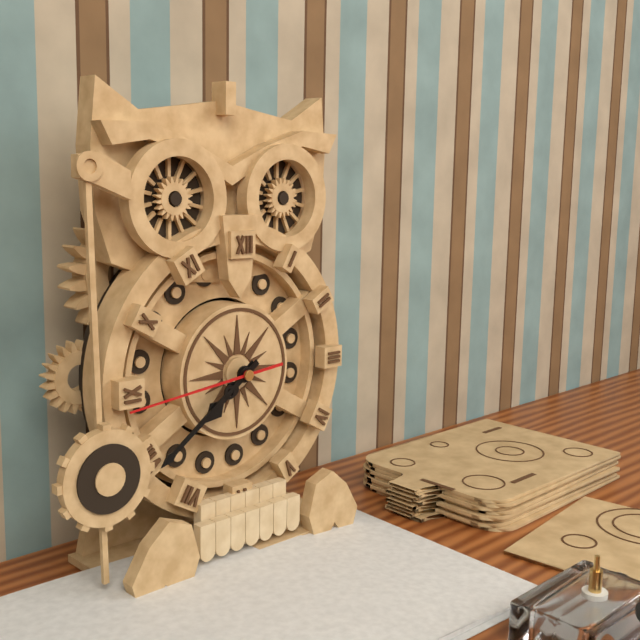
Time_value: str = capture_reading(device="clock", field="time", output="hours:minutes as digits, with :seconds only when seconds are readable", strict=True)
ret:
7:39:44
